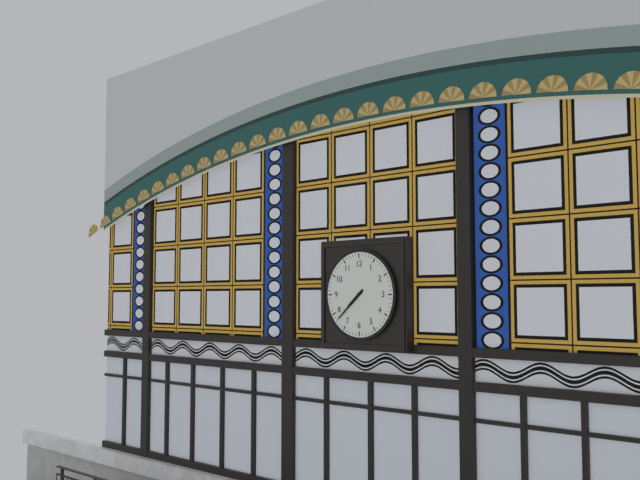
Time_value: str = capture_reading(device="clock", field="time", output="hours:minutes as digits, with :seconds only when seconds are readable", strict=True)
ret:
7:38
